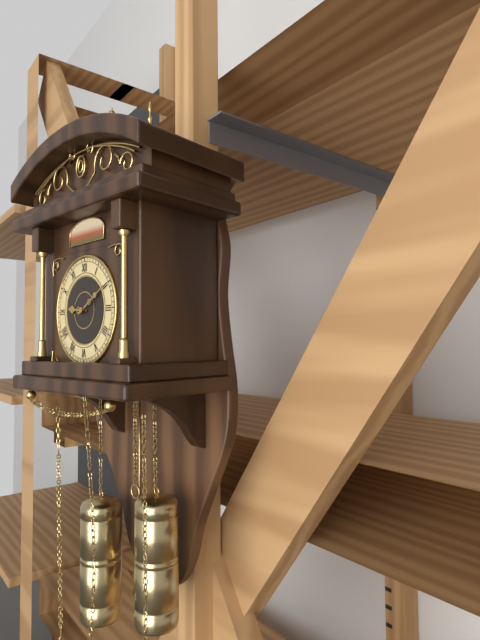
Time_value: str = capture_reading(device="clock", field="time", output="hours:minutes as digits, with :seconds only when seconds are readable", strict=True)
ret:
9:10
